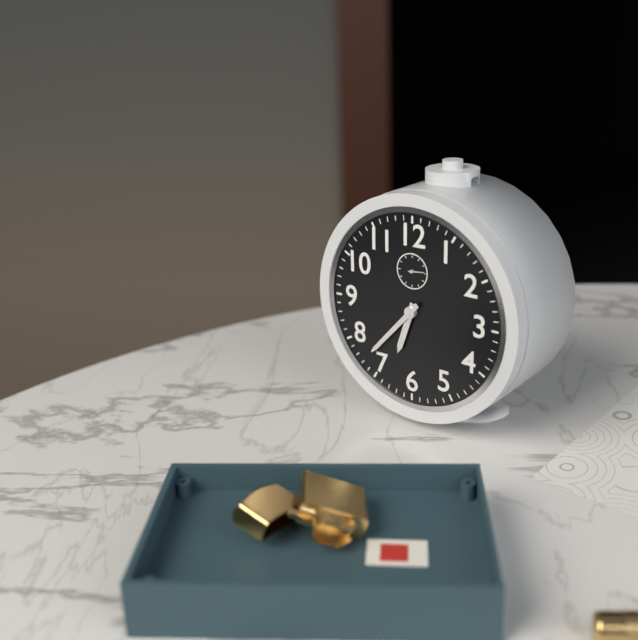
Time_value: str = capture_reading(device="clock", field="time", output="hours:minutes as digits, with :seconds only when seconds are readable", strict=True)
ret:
6:37
